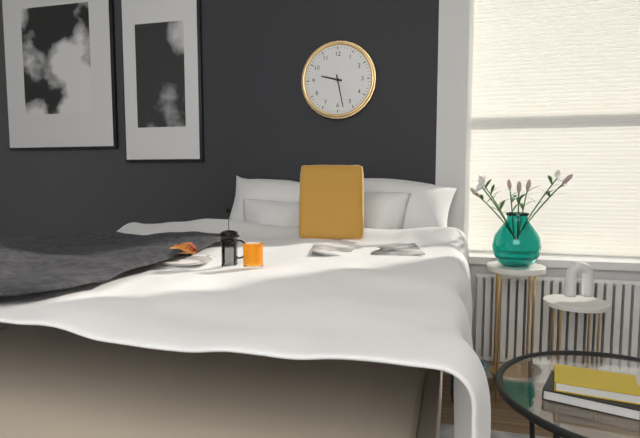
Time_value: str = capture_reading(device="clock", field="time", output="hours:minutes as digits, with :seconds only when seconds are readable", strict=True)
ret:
9:28
